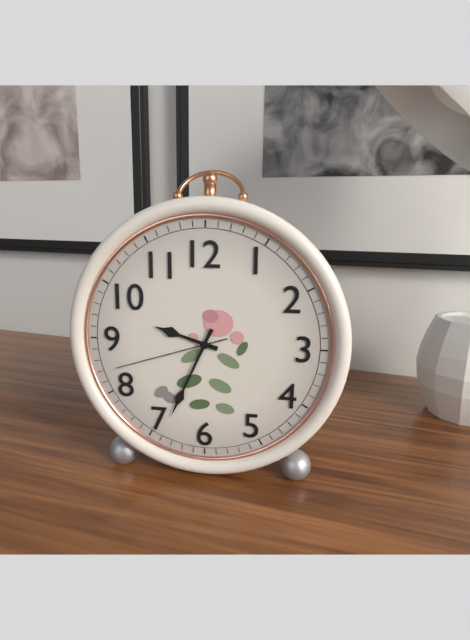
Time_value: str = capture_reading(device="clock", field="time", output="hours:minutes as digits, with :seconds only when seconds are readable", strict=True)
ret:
9:34:42
